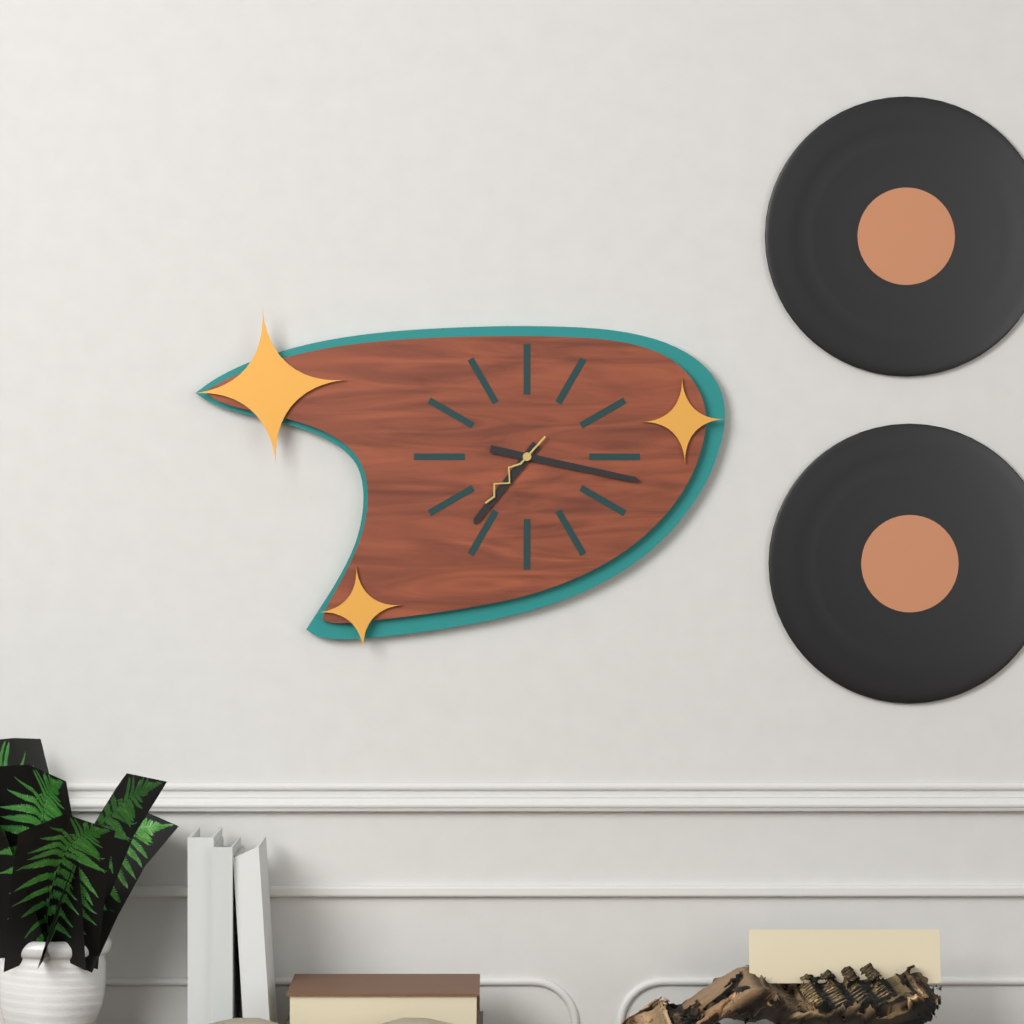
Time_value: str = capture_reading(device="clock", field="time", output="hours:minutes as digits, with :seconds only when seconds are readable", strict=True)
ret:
7:17:37
